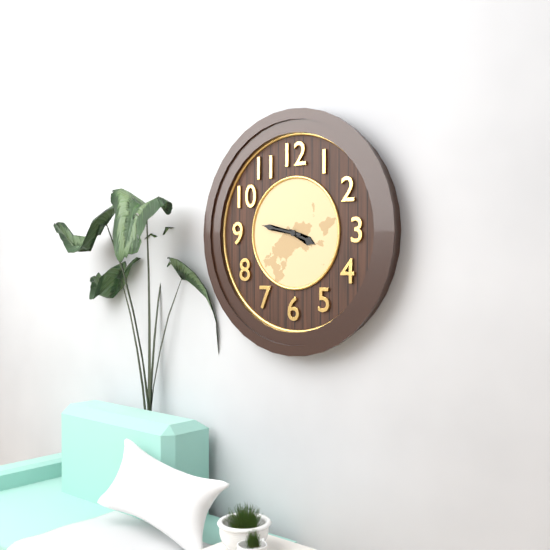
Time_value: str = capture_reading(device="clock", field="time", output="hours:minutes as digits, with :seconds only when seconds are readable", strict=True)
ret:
3:47
